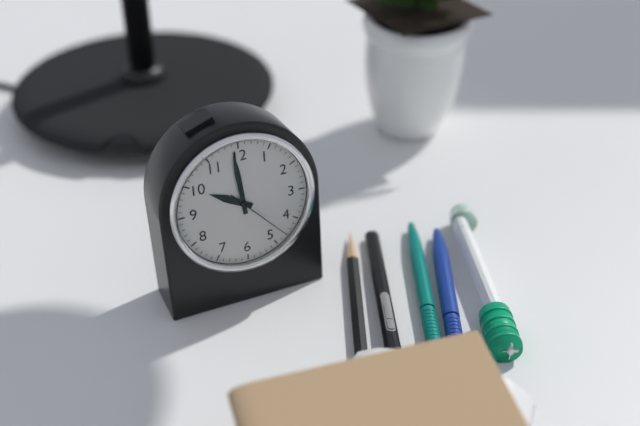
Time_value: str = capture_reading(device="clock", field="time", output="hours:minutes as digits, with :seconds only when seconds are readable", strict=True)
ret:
9:59:23
